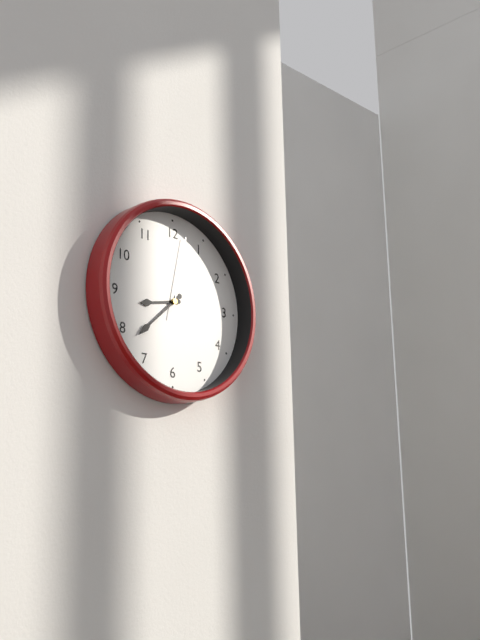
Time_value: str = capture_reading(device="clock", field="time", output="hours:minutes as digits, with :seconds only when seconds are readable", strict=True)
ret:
8:38:02
